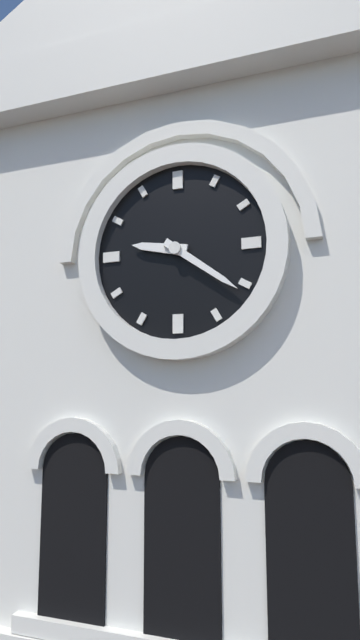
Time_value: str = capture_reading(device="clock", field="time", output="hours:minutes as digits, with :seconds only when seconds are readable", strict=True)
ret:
9:21
